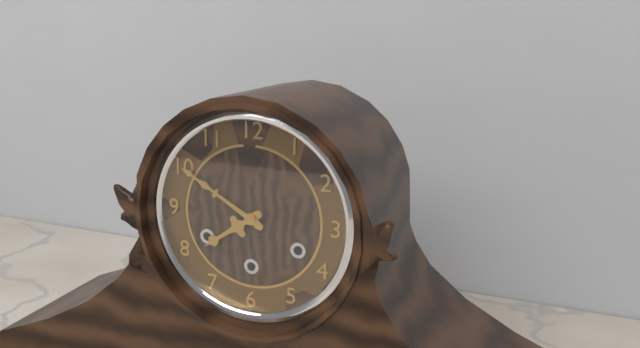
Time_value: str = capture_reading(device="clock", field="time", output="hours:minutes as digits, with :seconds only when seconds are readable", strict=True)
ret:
7:50
